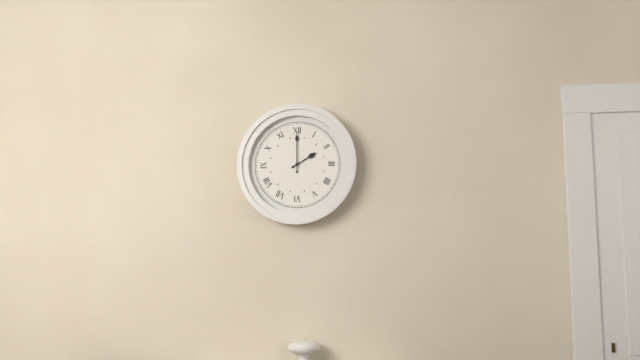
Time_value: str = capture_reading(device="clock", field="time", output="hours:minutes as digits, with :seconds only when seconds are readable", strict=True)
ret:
2:00
